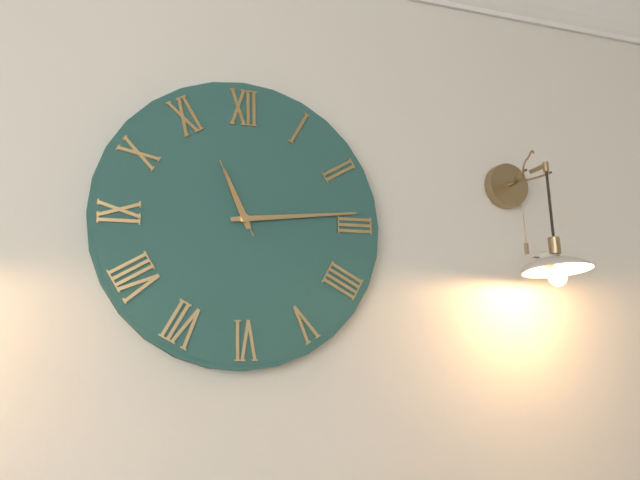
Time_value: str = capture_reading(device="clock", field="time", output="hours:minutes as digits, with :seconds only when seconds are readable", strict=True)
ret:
11:14:56
